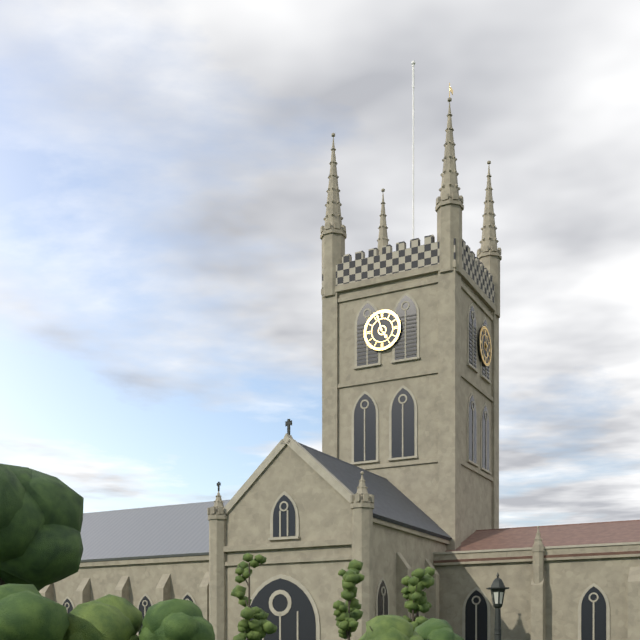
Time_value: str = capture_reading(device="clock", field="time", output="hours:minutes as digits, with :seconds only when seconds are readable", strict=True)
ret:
4:57
